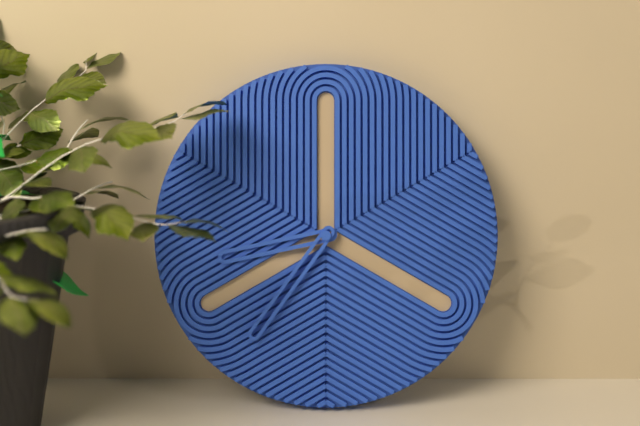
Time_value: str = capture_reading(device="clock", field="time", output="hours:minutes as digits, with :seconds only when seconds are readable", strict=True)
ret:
8:36
